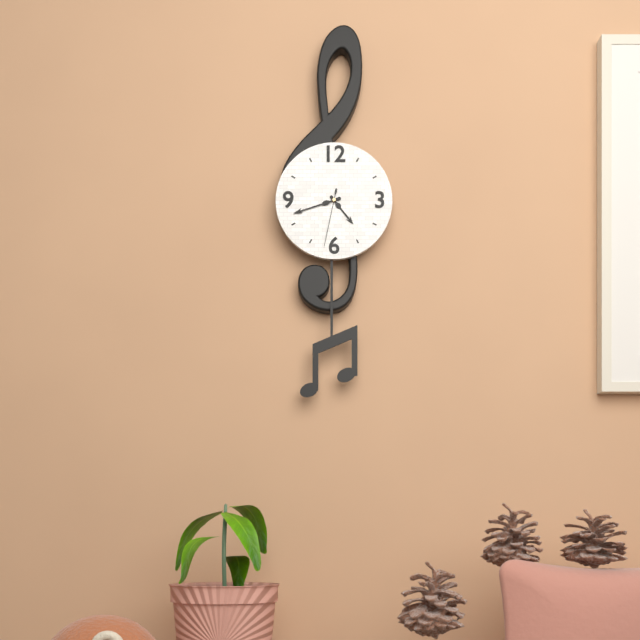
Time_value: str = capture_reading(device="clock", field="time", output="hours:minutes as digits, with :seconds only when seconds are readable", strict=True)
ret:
4:42:32
